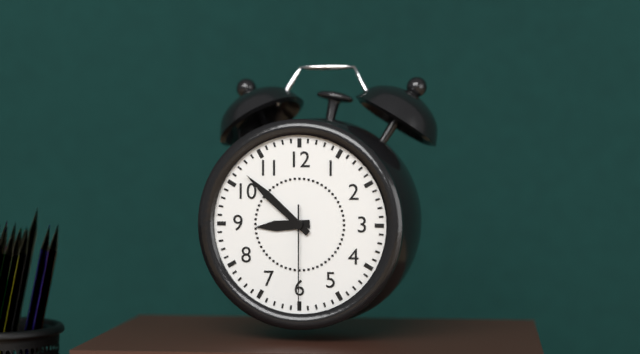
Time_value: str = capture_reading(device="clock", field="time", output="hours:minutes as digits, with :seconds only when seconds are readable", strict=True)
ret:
8:52:30
